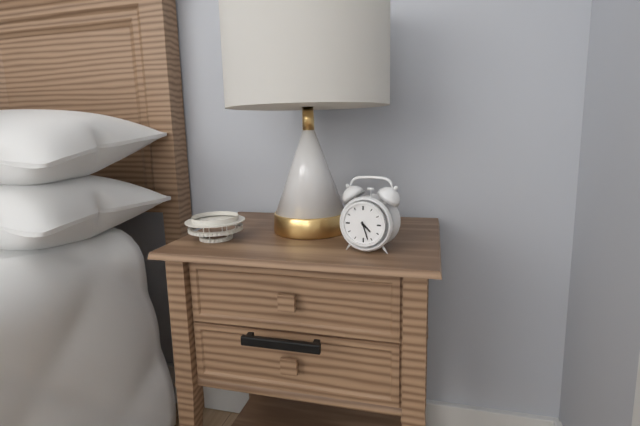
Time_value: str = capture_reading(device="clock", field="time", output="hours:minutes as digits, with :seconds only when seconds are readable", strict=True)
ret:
4:27
